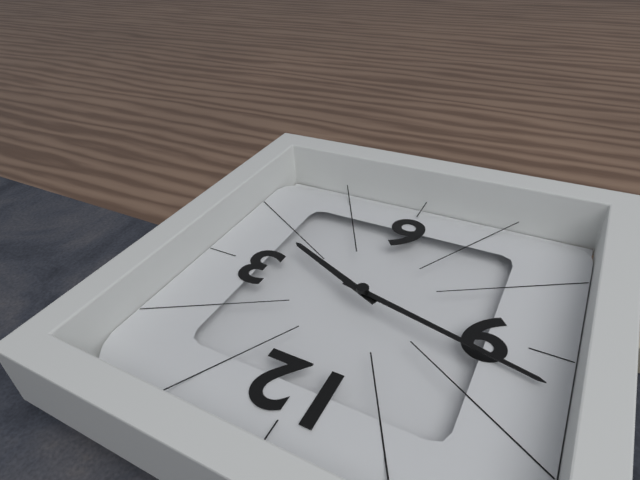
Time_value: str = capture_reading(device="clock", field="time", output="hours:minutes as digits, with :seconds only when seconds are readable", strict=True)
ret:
3:47
